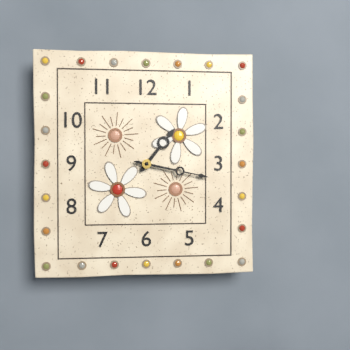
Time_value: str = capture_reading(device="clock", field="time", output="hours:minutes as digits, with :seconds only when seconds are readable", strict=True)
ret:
1:17
